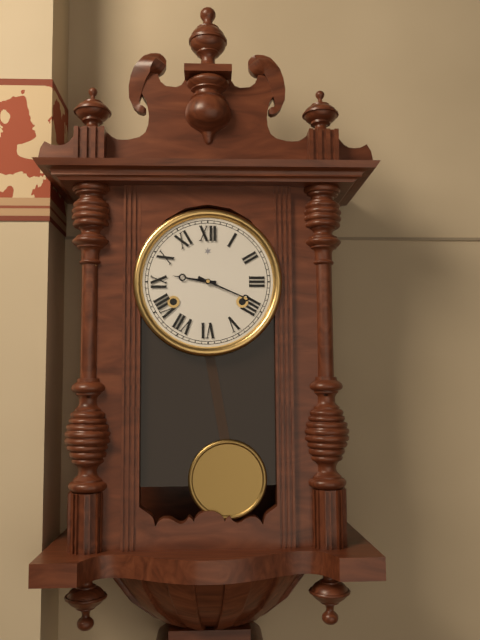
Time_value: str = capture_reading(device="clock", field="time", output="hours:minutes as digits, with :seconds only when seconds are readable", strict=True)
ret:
9:19
